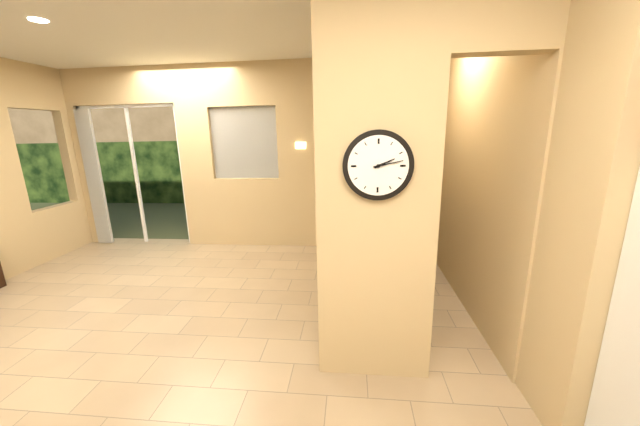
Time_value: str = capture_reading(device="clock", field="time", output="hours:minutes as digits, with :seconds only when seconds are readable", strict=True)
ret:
2:13
